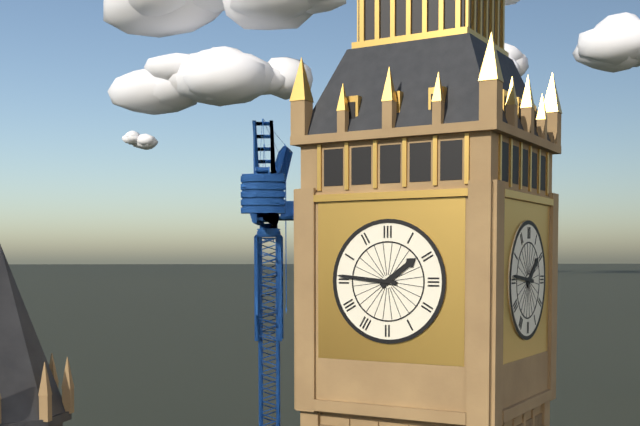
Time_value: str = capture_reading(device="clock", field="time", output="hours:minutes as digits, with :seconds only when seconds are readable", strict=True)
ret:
1:46
